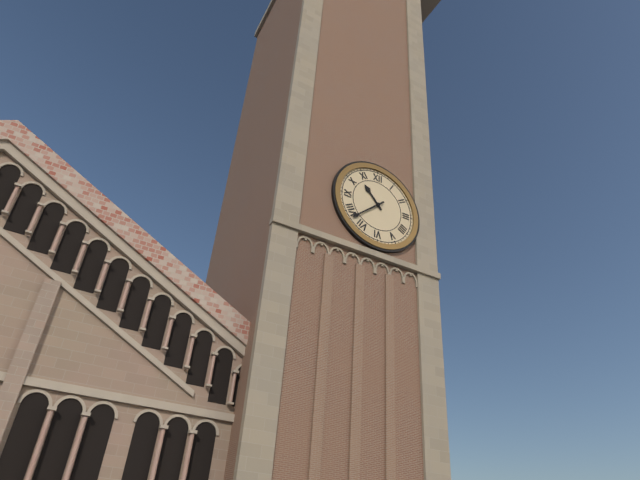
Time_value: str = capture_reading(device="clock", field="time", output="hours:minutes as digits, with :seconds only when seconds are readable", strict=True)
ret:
10:38
